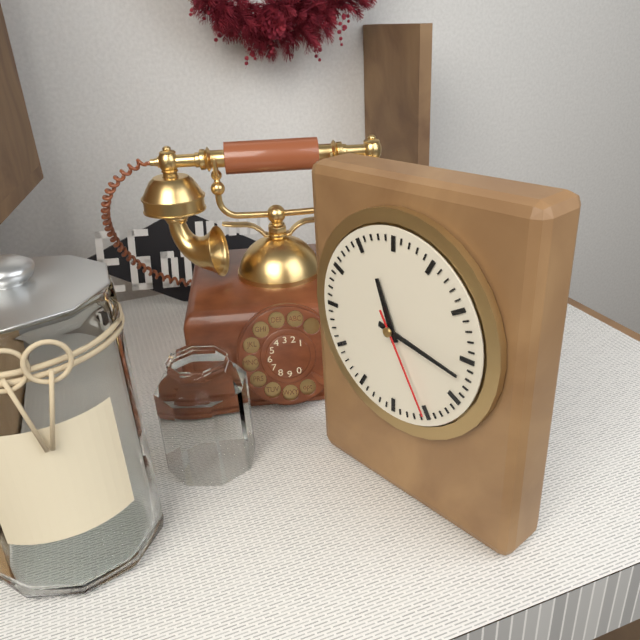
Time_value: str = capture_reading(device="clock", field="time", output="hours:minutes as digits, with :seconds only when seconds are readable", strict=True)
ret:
11:17:25
